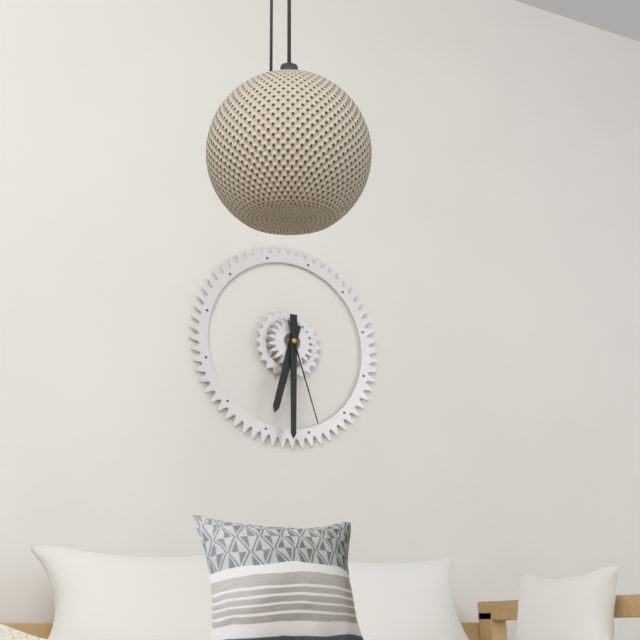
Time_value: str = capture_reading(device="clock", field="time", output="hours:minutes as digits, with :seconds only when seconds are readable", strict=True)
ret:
6:30:27
